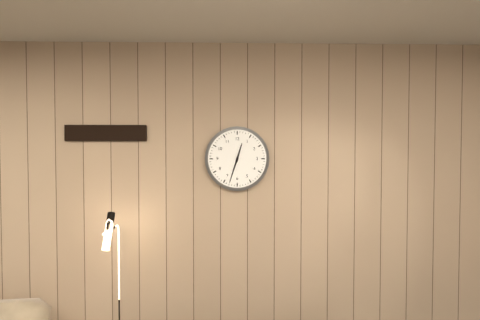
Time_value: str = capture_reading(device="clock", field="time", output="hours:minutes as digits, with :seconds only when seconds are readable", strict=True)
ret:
12:33
